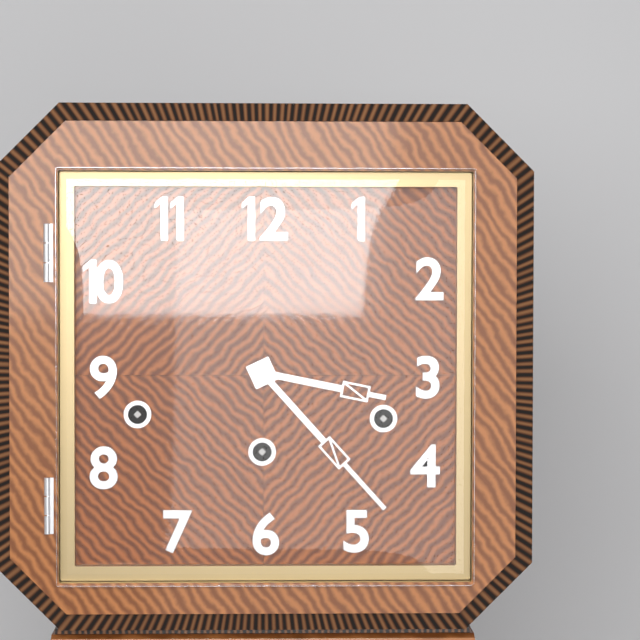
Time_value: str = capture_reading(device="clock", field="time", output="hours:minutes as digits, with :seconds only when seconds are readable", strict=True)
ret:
3:23
